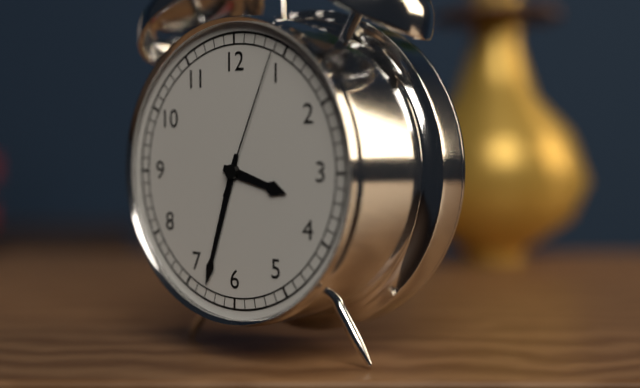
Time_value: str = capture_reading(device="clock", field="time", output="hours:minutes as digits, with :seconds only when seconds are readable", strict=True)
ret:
3:33:04
